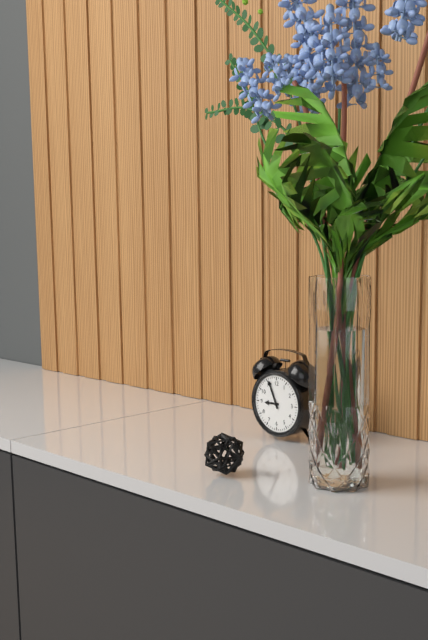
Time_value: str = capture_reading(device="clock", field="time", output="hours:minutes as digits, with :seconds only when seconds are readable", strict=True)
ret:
8:56
